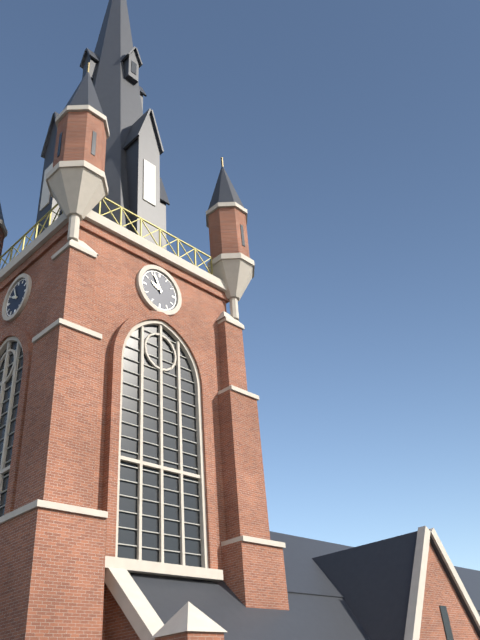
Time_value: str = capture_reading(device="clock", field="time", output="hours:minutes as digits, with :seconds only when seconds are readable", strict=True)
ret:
9:56
